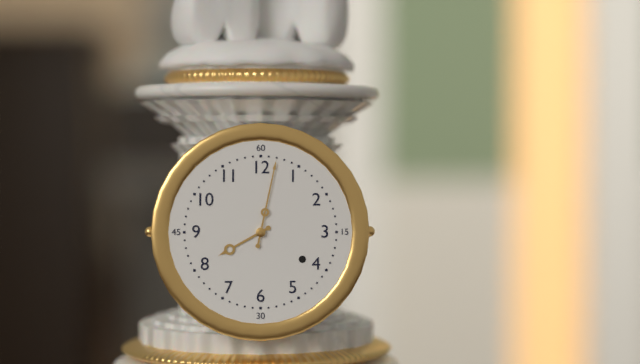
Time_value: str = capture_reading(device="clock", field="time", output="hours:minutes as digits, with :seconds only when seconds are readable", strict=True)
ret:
8:02
